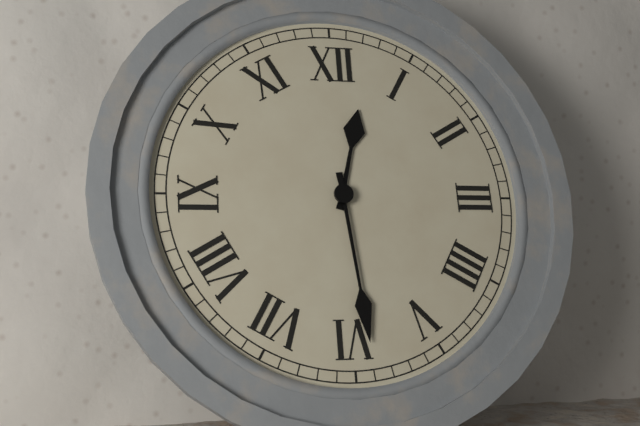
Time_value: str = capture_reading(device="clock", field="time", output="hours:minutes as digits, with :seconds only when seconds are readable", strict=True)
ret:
12:29
